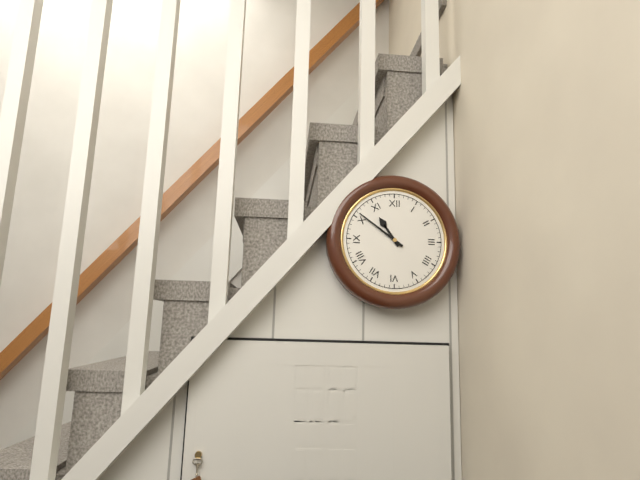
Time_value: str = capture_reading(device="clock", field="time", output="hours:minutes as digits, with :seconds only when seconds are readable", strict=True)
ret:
10:51
